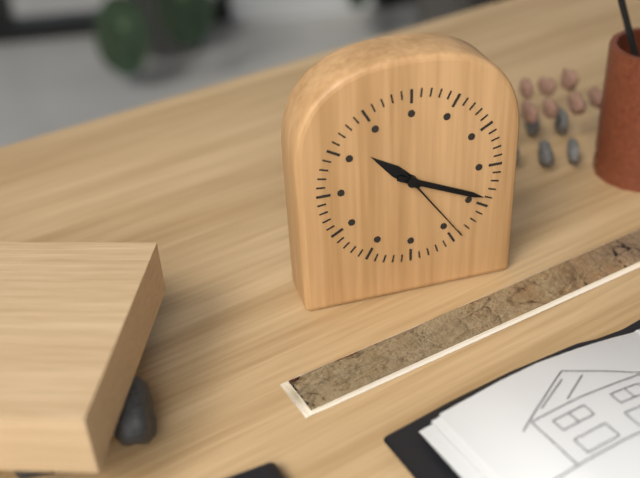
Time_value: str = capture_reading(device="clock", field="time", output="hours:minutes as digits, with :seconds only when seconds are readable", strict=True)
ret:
10:19:24
